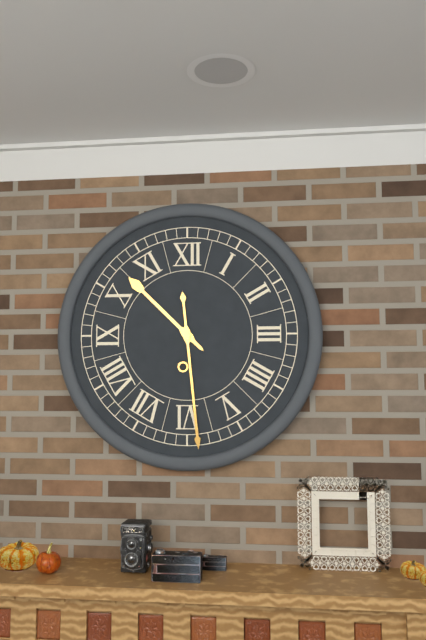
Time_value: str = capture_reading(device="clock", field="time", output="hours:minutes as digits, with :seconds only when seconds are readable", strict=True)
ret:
10:29
